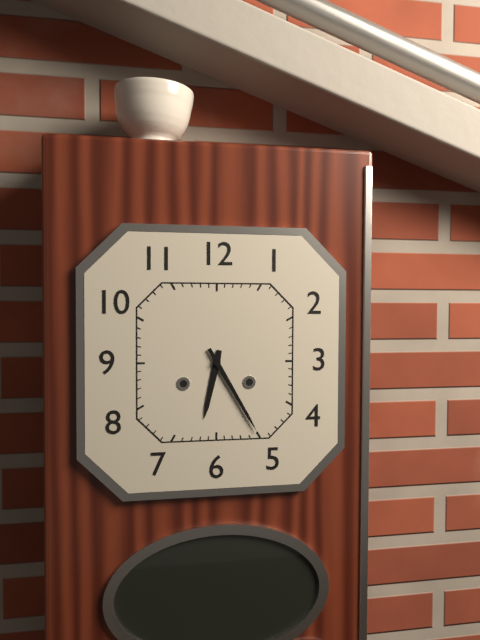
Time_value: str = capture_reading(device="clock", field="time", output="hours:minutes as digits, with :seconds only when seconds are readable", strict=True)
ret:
6:25
